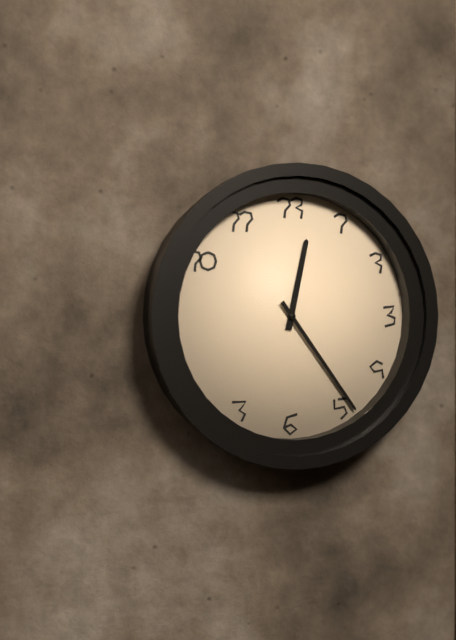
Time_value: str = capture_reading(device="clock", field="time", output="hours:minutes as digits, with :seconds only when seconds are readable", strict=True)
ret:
12:24
